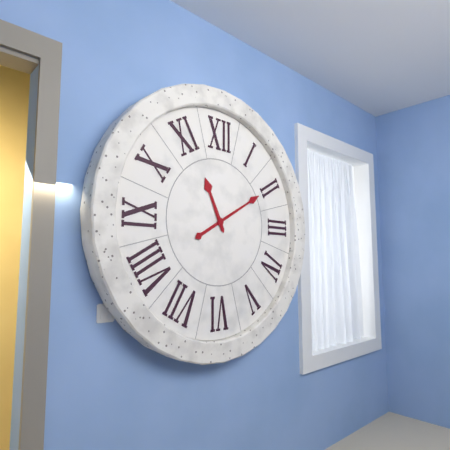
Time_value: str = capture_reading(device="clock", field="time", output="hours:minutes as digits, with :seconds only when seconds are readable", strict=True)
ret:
11:10
